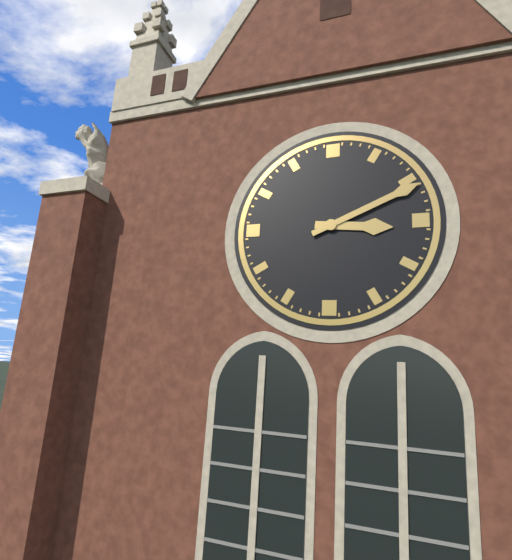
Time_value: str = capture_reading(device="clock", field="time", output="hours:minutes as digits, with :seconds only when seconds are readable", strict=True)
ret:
3:11
